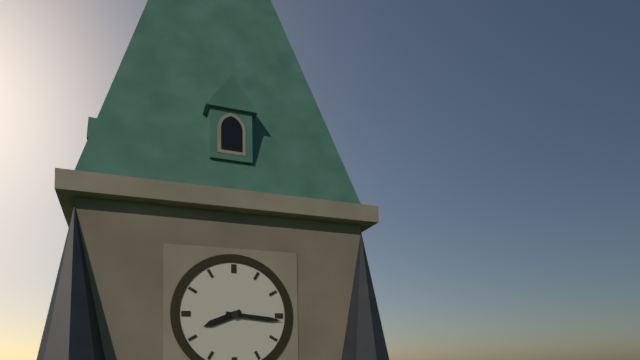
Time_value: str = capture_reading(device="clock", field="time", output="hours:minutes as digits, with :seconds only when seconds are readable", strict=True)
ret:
8:16
